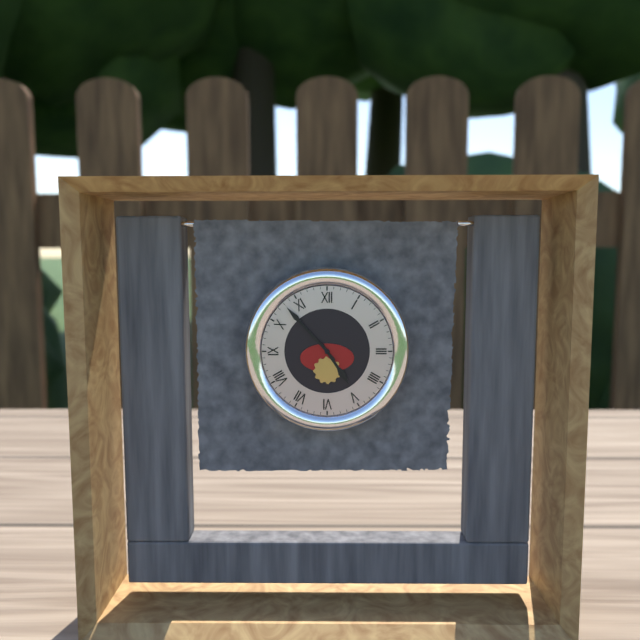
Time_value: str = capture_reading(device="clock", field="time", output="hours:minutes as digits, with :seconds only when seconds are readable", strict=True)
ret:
4:53
